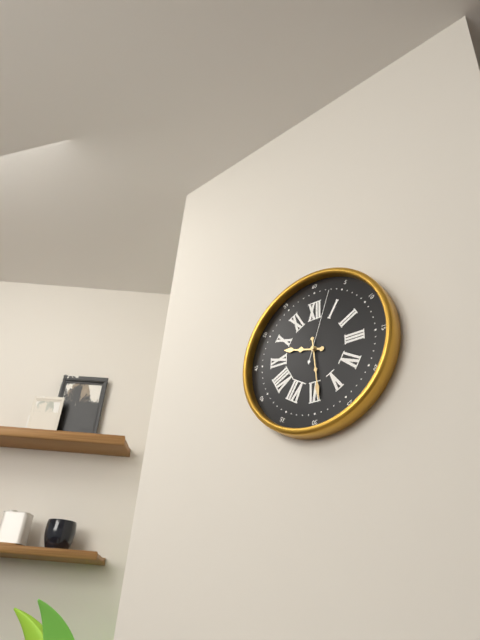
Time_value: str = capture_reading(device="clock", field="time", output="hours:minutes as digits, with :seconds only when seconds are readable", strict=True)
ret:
9:29:03
